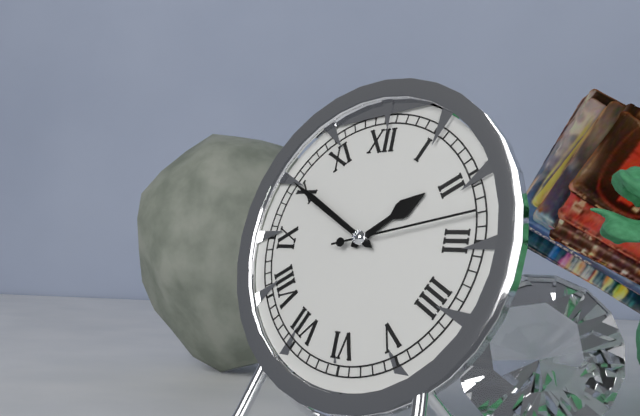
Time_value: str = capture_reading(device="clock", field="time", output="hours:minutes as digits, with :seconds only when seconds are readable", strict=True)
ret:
1:50:13
